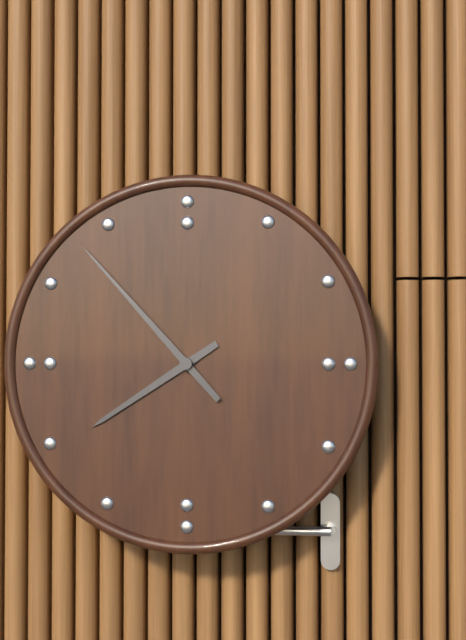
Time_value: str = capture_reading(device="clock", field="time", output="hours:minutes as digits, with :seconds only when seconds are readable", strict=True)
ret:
7:53
